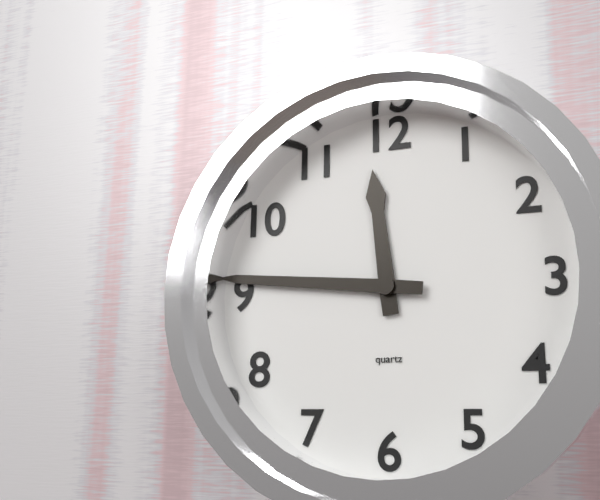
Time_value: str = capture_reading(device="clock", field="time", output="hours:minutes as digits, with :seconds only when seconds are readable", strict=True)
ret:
11:46
